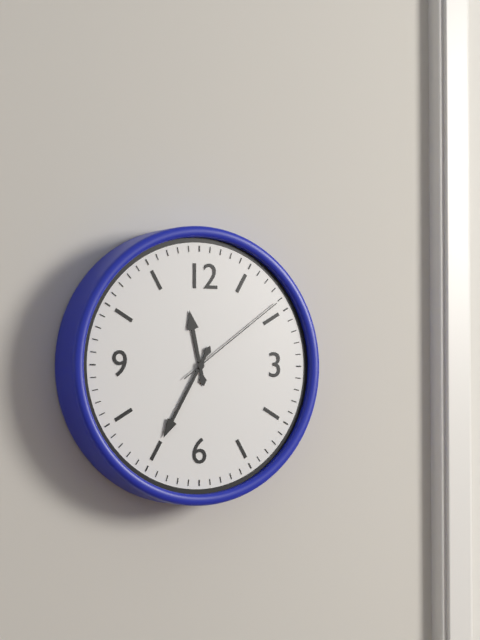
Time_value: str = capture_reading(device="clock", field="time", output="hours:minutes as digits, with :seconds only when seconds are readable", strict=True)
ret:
11:35:09
